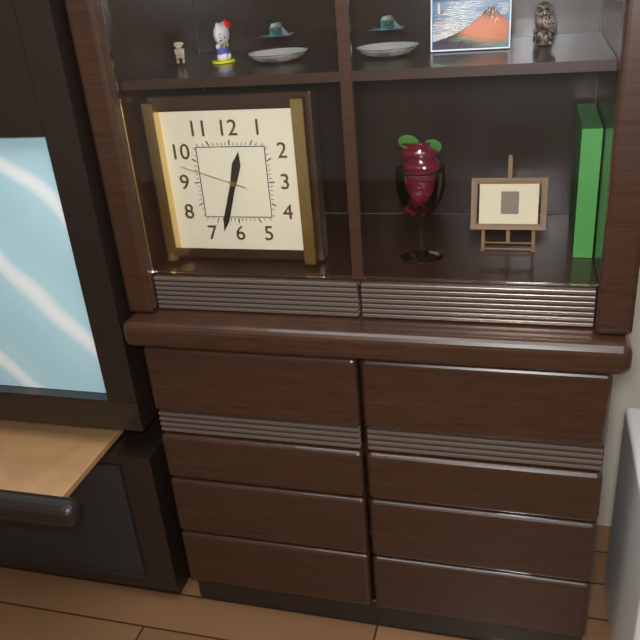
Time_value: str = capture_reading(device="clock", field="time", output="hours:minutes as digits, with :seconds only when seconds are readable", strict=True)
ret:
12:33:48
